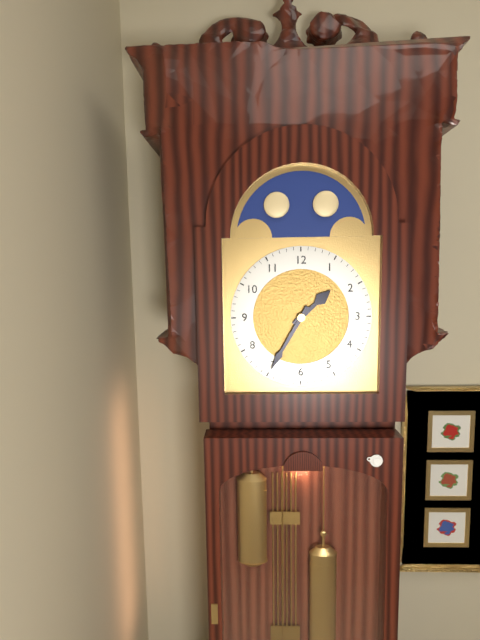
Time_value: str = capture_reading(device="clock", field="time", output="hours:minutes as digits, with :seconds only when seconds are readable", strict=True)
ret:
1:35
